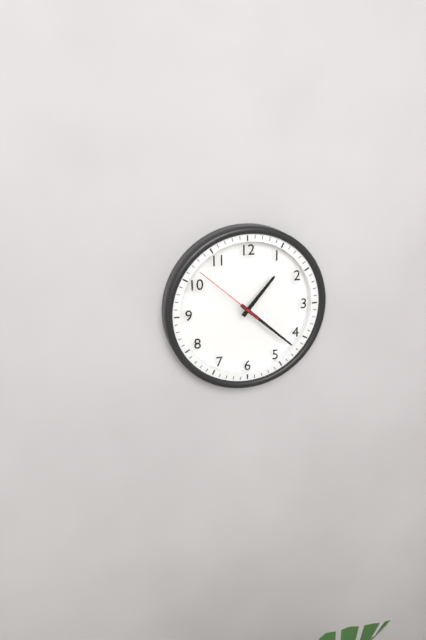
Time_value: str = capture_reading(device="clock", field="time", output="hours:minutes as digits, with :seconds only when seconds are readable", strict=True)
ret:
1:22:52
